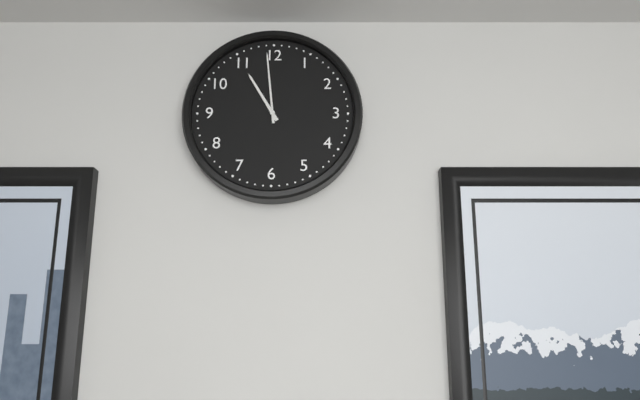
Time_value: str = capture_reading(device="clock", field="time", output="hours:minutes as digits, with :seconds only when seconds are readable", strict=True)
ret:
10:59
